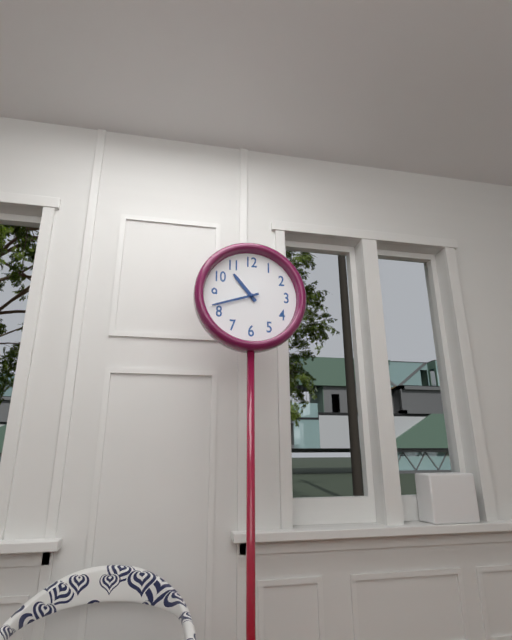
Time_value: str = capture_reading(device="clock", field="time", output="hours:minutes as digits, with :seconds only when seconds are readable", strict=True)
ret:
10:42
